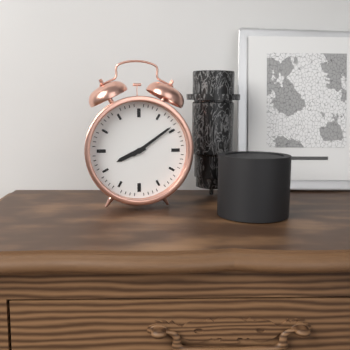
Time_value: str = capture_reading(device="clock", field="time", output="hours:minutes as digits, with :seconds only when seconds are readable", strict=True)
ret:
8:09
